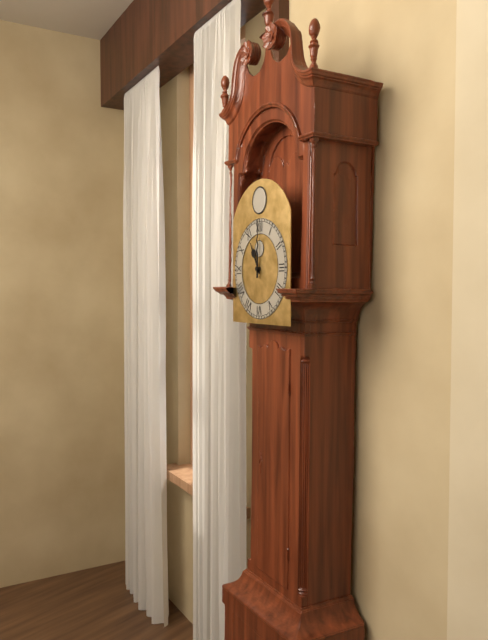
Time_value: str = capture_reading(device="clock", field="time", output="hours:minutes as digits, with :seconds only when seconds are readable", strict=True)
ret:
11:00
